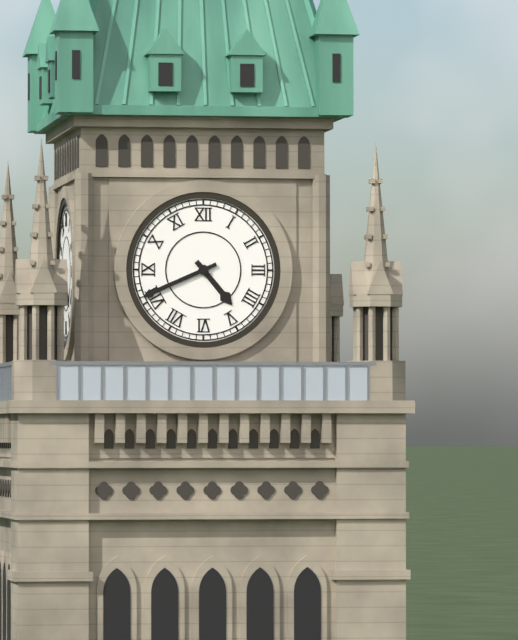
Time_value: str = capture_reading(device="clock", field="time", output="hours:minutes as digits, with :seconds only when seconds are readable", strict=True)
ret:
4:41
